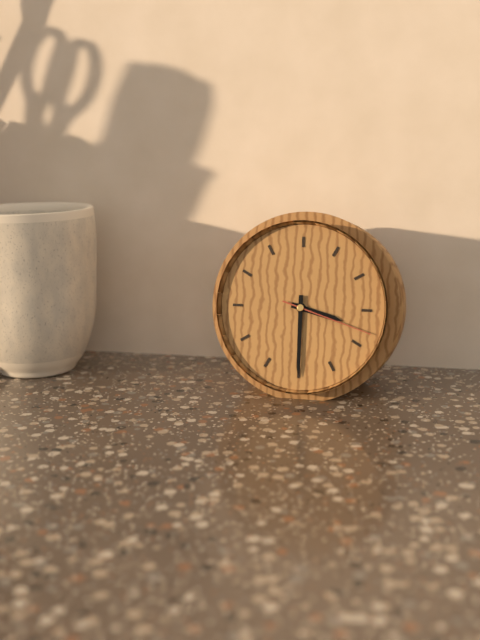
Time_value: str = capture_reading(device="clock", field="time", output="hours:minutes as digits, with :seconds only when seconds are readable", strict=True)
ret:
3:30:18
